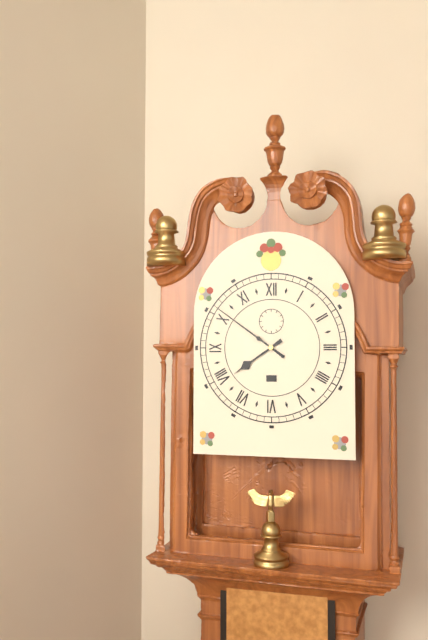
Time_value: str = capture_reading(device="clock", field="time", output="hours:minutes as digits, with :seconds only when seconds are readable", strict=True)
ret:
7:51
